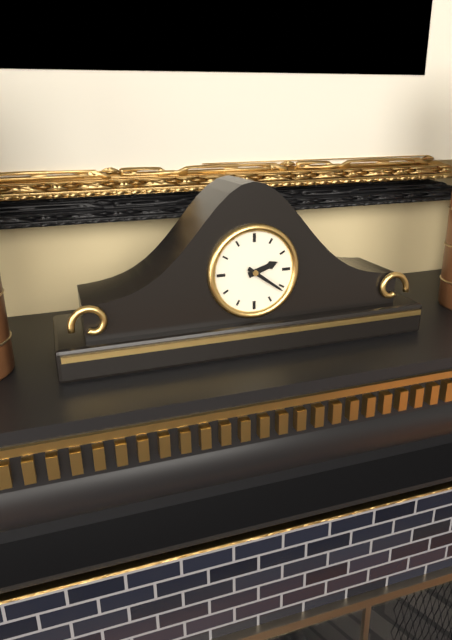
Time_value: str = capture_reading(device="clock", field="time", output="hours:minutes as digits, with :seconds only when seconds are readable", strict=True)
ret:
2:21
